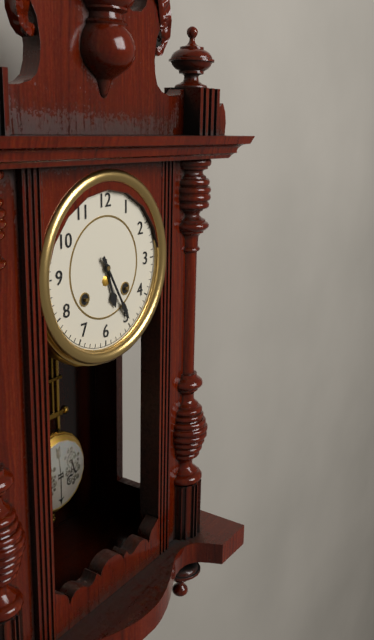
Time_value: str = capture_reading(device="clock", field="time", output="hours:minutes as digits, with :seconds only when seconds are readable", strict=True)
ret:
5:25
